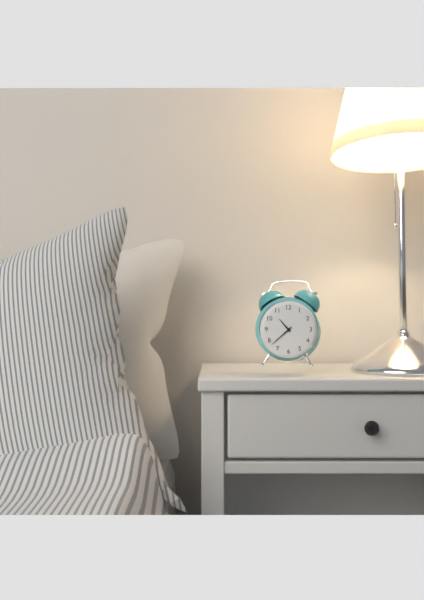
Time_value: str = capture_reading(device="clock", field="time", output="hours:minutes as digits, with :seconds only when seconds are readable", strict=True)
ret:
10:38
